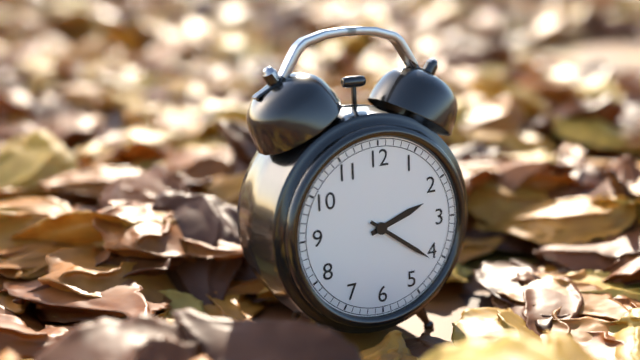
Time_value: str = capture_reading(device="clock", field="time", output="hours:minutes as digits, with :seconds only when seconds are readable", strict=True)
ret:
2:21
